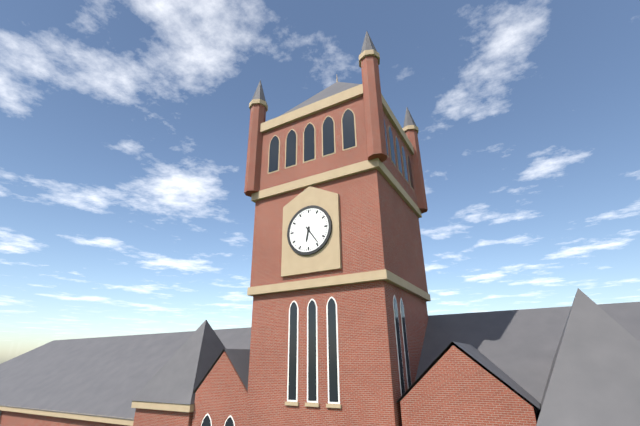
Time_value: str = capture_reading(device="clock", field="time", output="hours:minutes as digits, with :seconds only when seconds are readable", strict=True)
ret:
6:24
